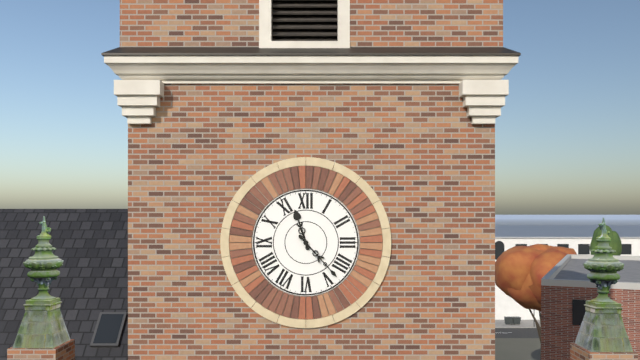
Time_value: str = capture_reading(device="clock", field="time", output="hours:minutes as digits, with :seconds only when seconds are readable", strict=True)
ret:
11:23
